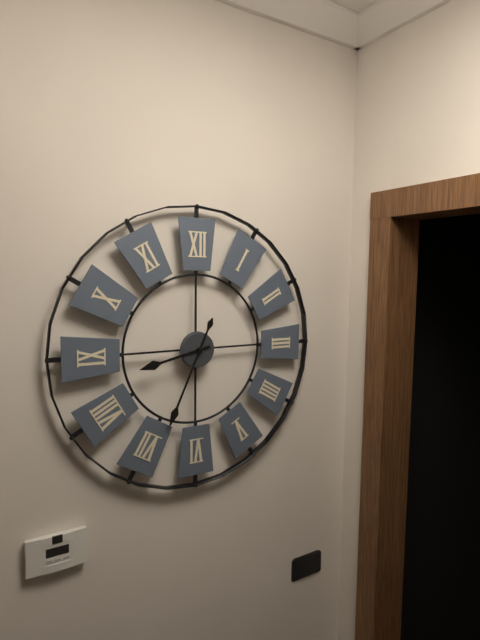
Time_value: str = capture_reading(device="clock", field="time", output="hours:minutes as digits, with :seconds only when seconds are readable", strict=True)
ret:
8:34
